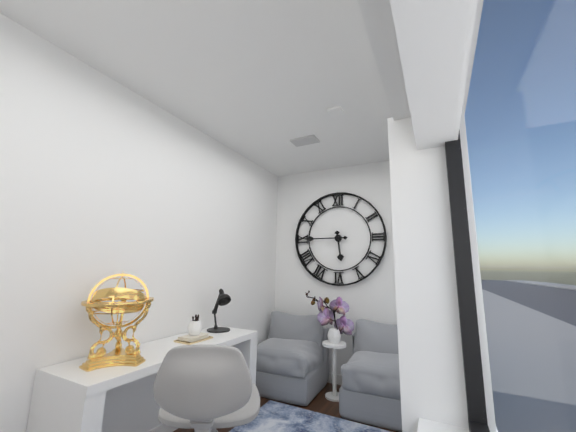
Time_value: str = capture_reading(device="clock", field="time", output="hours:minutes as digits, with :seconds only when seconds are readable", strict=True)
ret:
5:45
